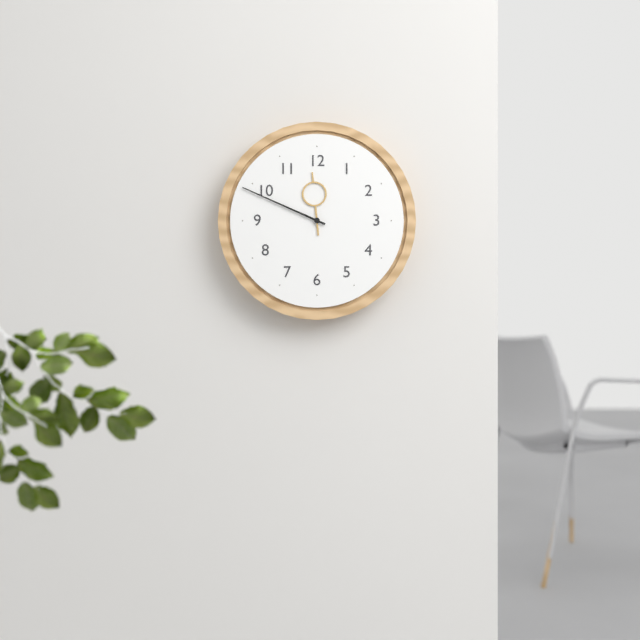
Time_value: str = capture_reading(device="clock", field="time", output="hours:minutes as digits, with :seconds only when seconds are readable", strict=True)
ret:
11:49
